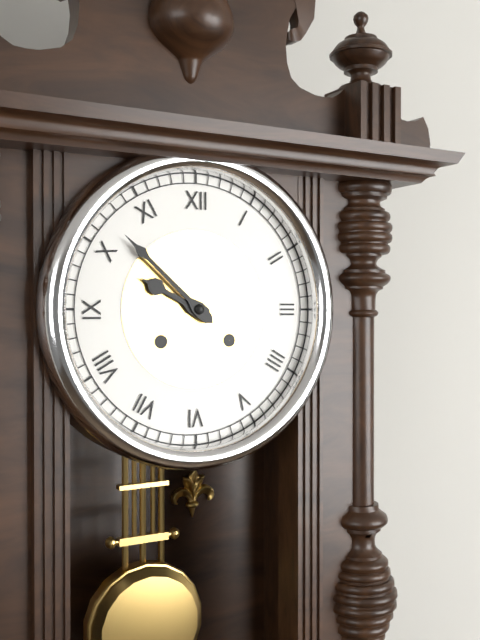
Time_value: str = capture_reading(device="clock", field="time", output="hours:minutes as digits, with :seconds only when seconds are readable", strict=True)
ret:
9:52
